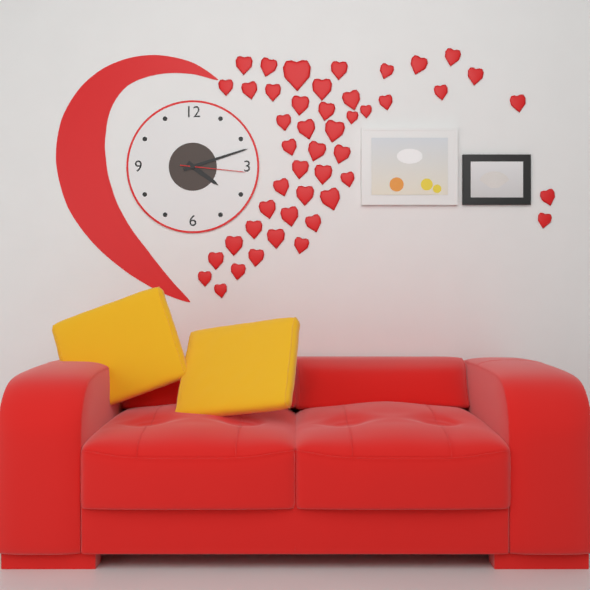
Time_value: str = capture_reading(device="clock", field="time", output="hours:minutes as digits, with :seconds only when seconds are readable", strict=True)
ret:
4:12:16
